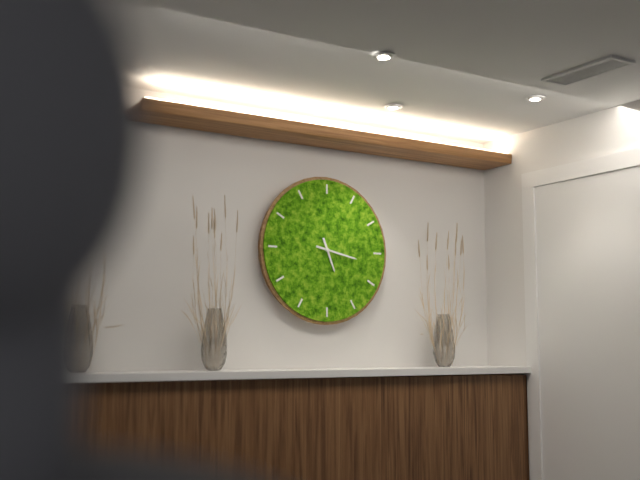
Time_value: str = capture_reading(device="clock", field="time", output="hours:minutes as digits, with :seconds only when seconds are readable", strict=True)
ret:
5:17
